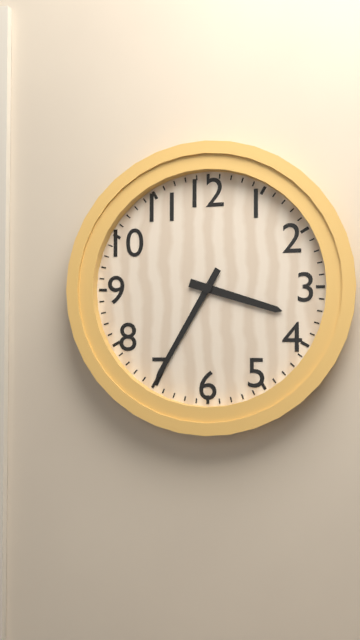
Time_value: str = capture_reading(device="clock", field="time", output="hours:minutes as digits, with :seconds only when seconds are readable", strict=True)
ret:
3:35
